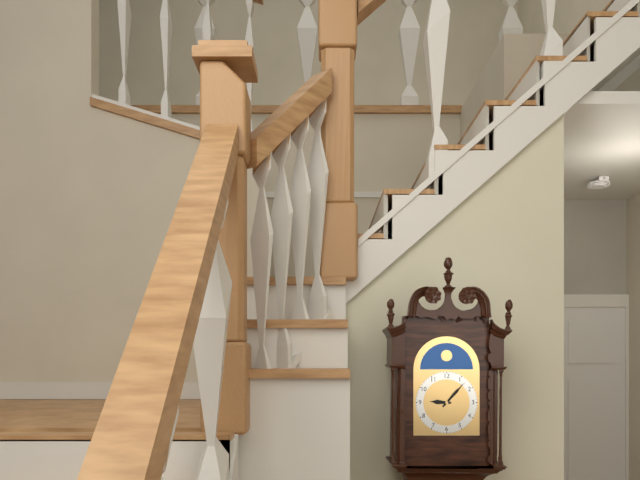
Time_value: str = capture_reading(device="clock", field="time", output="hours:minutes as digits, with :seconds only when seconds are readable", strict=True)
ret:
9:07
